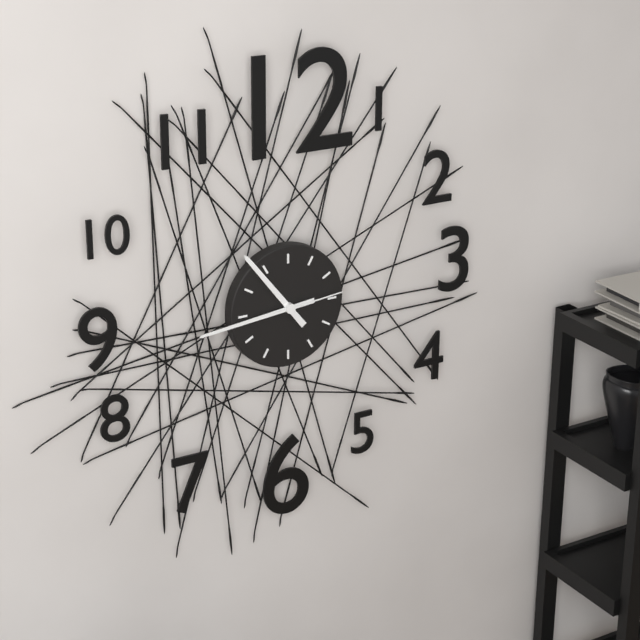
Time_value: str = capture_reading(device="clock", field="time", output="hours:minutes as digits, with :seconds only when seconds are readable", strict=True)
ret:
10:44:14
